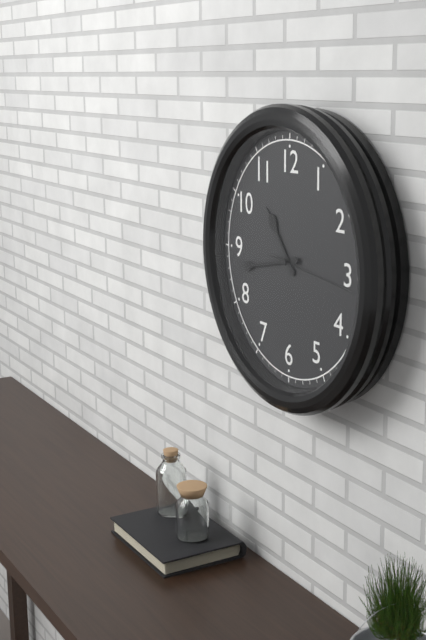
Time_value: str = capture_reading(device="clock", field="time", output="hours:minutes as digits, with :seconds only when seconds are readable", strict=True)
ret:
10:43:16
